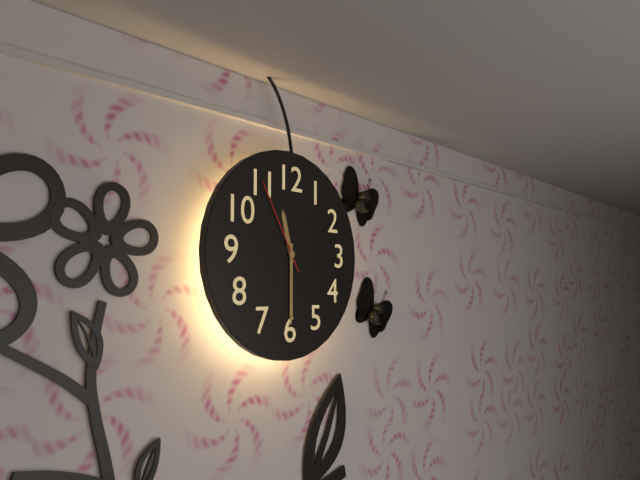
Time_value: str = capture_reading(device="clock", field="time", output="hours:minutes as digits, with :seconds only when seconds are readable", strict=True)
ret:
11:30:55
